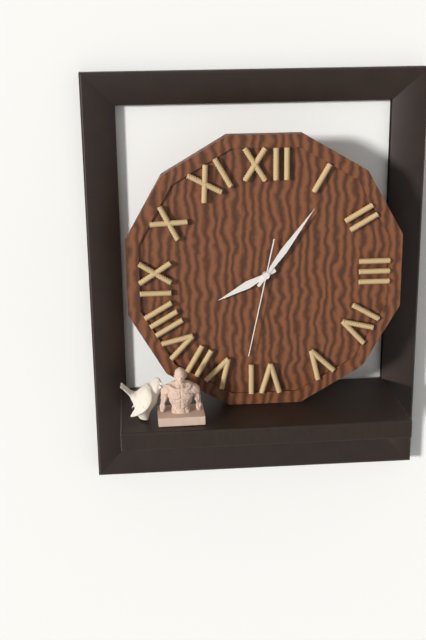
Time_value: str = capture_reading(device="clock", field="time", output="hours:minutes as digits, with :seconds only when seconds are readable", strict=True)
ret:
8:06:32
